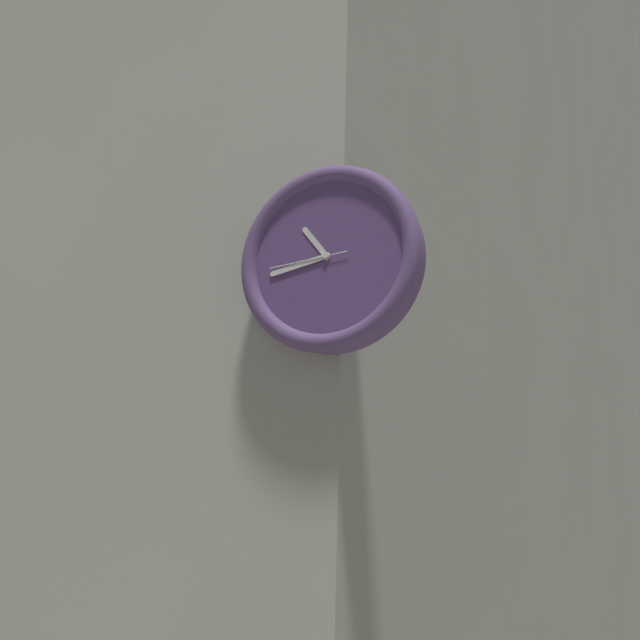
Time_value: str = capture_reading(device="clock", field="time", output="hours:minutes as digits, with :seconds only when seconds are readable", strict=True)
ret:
10:43:44
